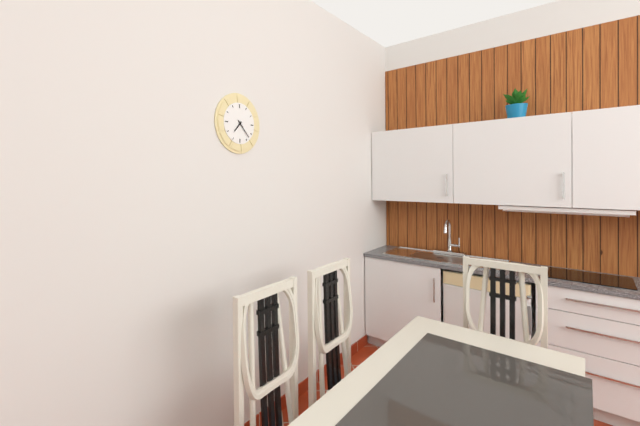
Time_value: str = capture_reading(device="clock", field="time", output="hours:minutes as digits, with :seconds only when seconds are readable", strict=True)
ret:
7:23
